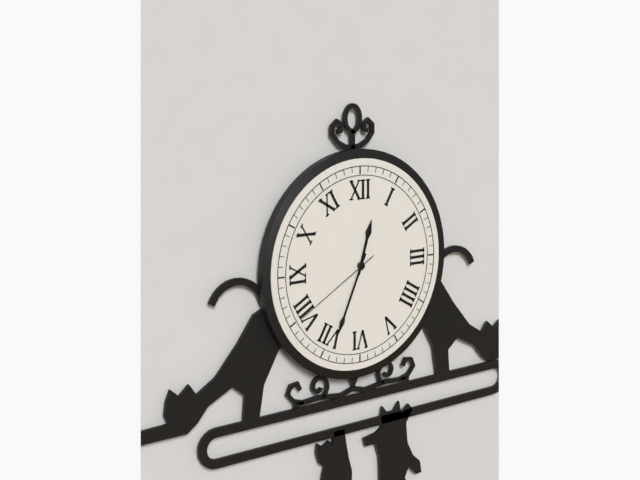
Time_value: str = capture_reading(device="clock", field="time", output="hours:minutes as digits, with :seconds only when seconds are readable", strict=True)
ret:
12:34:40
